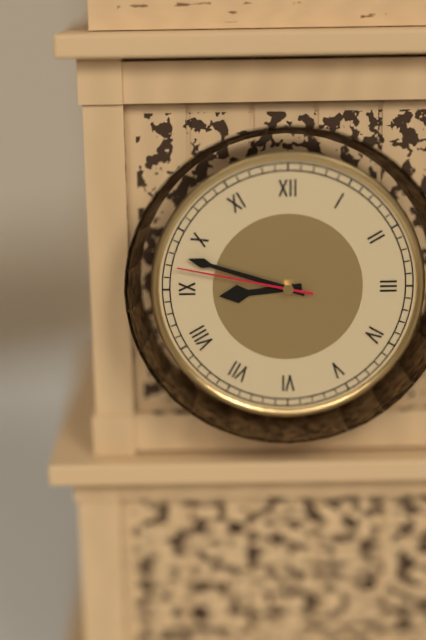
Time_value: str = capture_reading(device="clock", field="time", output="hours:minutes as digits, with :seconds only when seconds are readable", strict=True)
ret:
8:48:47
